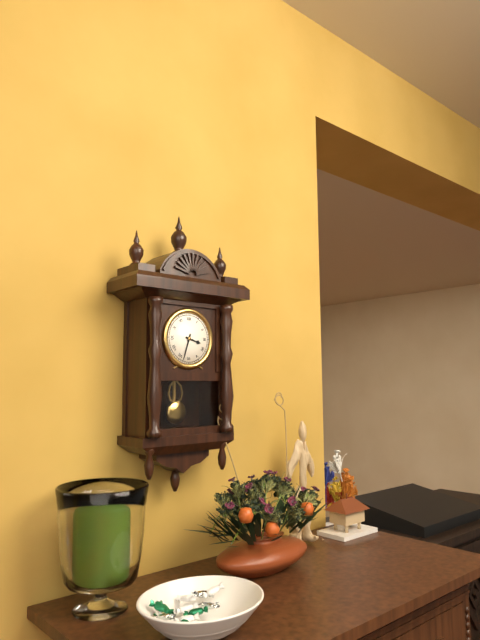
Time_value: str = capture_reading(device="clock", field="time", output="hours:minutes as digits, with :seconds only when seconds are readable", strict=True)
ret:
3:33
